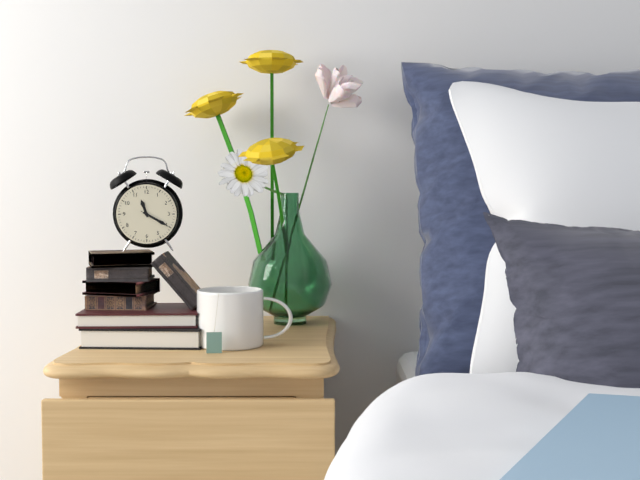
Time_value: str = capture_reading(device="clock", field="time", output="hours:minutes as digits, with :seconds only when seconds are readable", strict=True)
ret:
11:20
